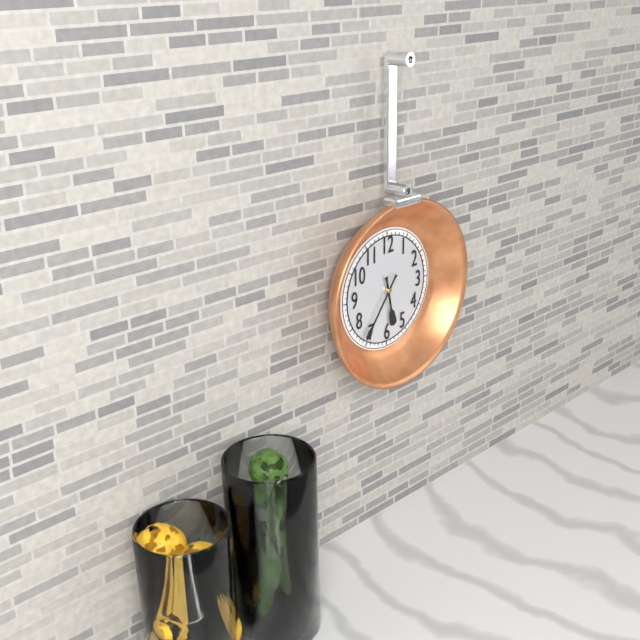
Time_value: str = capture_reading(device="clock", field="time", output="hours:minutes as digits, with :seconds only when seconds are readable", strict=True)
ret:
5:36
